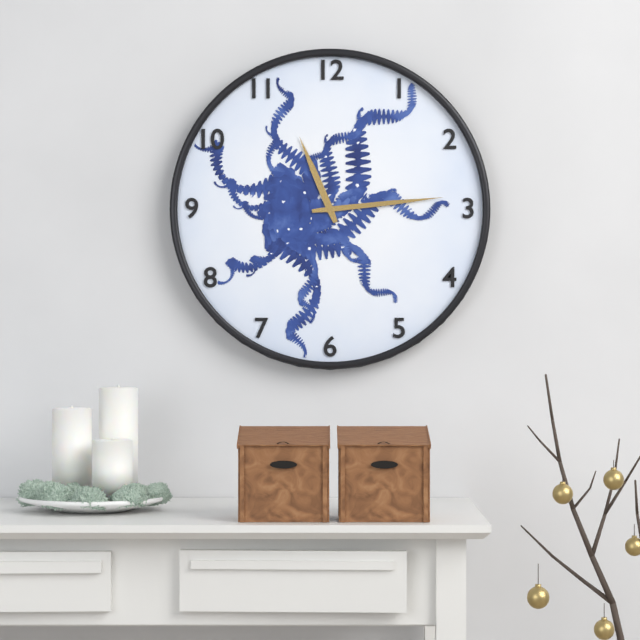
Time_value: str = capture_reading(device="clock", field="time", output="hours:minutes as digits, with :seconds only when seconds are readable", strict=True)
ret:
11:14
